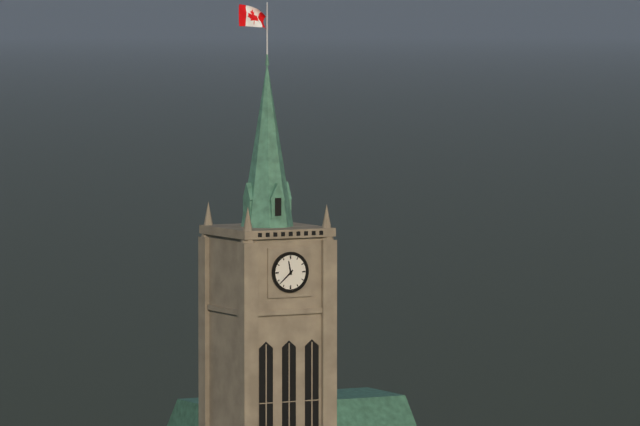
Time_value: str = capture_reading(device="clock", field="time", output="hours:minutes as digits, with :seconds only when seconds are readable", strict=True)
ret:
11:38
